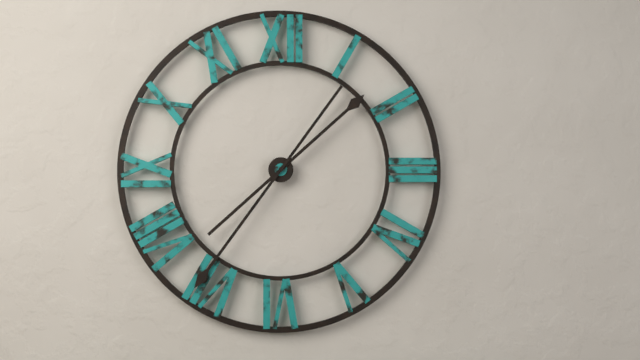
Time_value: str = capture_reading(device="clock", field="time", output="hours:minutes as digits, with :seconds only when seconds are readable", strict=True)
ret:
1:36
